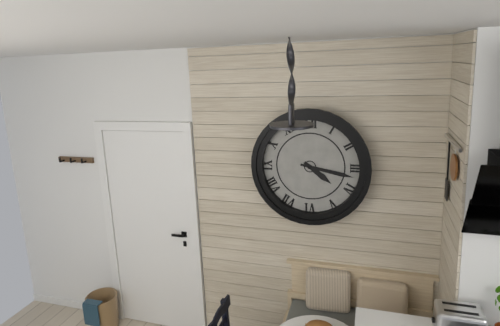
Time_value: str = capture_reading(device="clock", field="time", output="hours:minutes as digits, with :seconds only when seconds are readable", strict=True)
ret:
4:17
